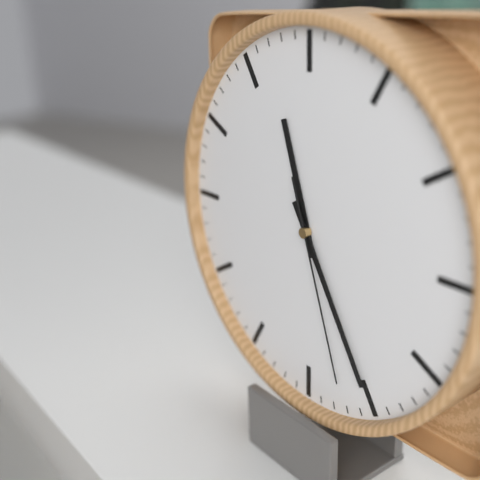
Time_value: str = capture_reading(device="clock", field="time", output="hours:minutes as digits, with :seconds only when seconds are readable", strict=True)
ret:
11:25:27
